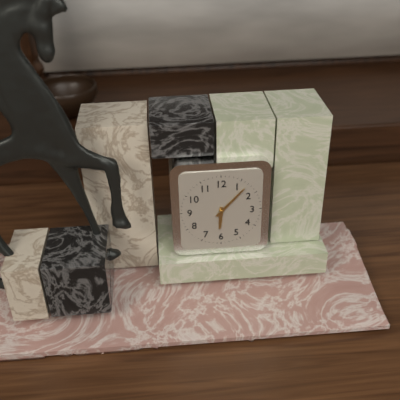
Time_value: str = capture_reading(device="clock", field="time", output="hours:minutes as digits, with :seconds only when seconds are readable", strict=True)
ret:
6:07
